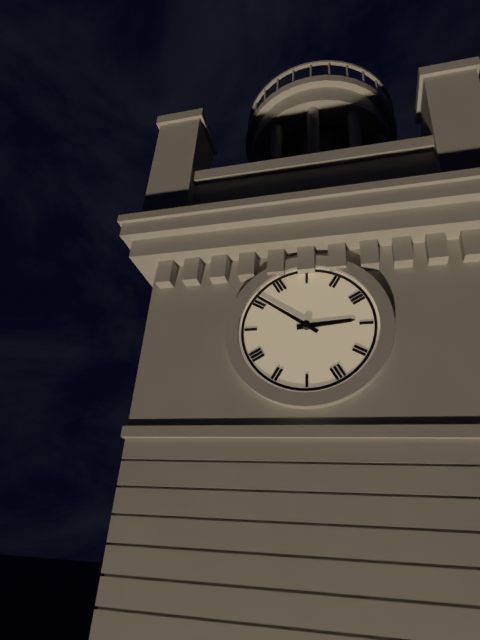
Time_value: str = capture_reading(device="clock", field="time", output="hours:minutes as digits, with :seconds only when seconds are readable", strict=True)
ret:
2:51
